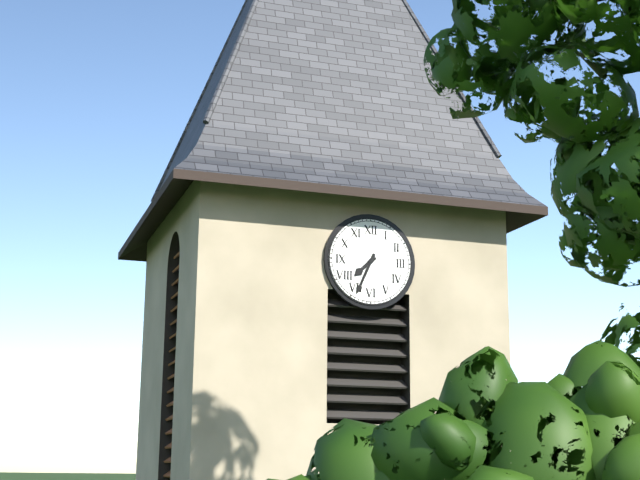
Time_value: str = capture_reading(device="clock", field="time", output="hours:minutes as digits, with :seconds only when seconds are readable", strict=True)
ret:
7:34
